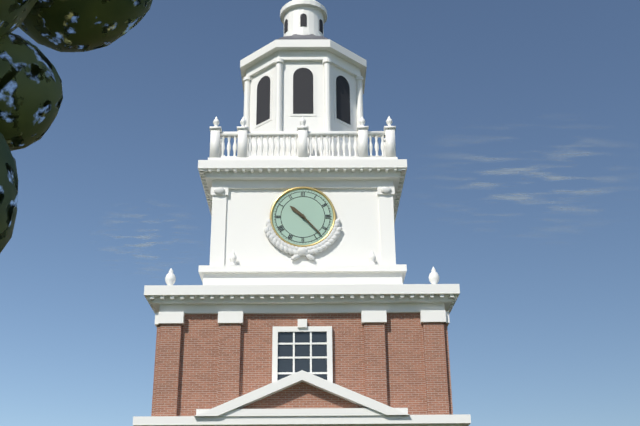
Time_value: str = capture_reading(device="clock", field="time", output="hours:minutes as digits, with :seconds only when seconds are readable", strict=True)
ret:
10:23
